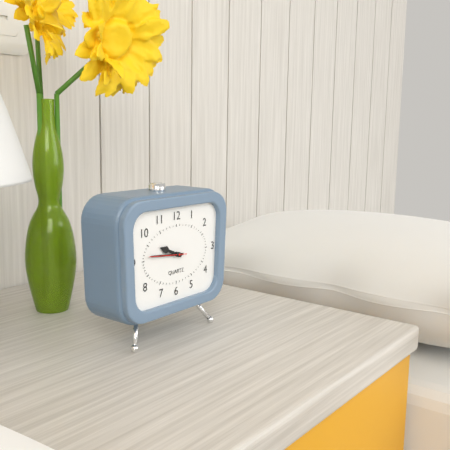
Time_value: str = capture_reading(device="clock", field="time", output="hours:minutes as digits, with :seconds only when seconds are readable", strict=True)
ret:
9:46
